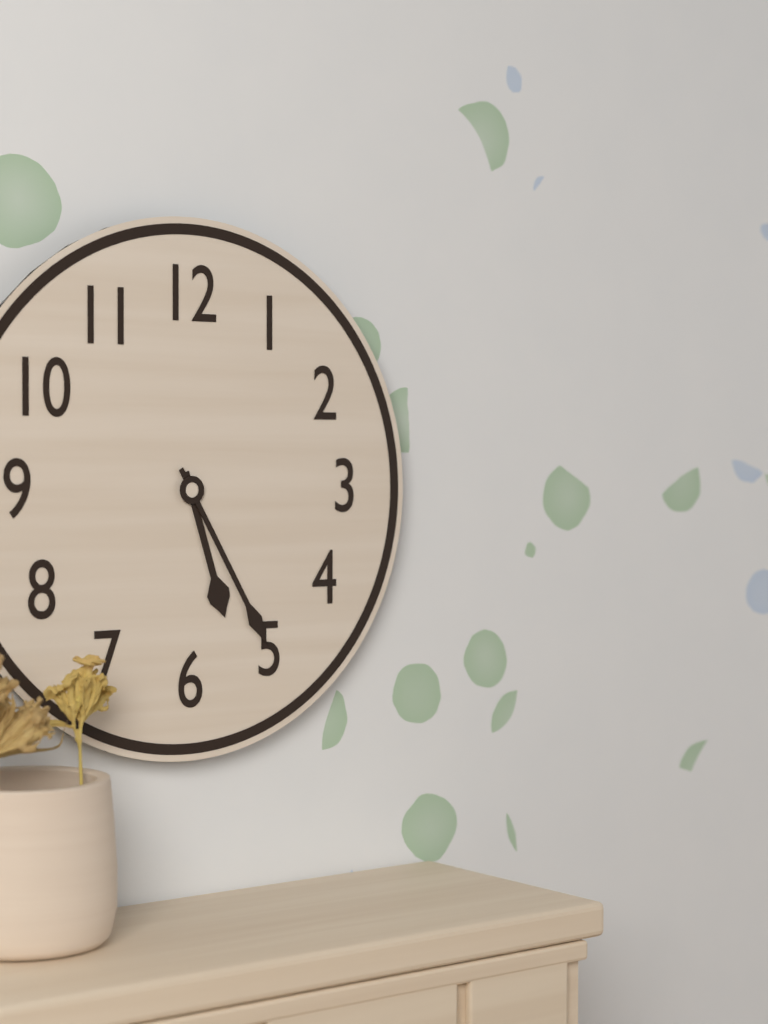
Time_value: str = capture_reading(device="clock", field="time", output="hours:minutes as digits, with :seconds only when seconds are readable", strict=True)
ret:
5:25
